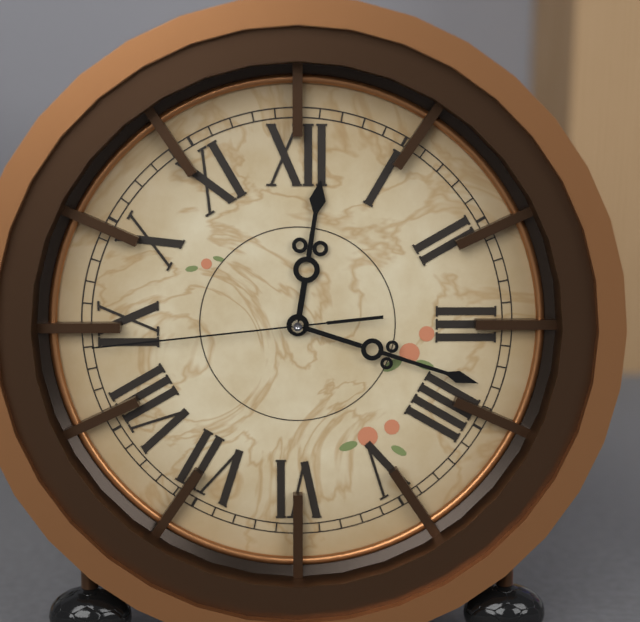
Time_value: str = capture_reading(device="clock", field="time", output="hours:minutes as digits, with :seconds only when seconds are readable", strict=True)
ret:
12:18:44
